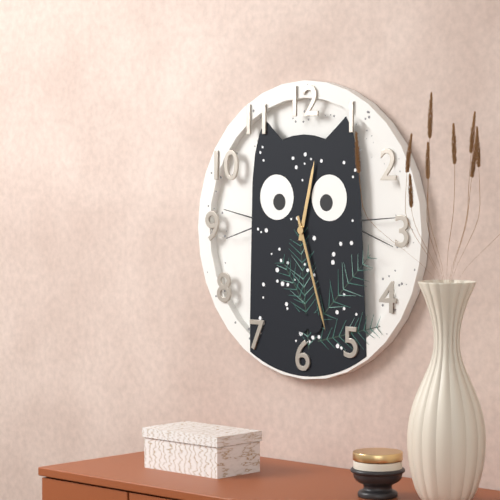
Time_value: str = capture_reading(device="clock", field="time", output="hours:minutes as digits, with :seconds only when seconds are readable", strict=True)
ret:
12:27
